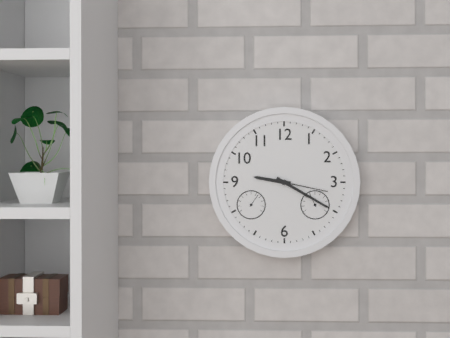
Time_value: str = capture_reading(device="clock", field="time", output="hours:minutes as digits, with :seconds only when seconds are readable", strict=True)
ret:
9:20:17
